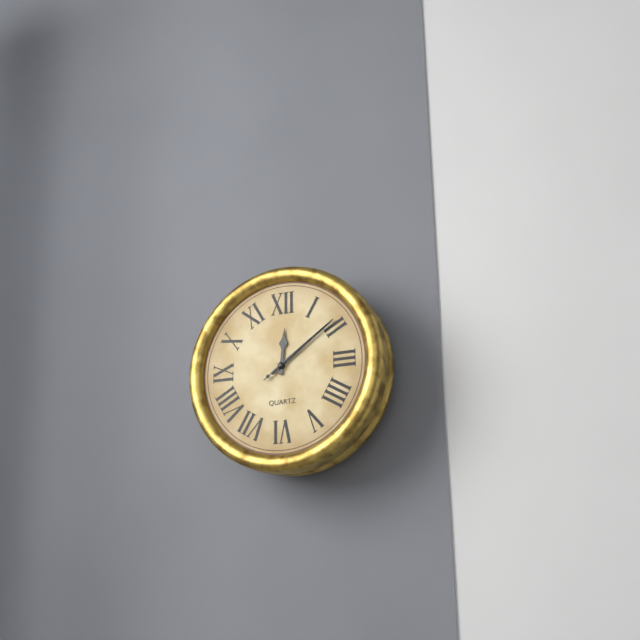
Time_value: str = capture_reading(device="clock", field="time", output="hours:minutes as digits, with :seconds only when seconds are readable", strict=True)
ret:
12:09:09
